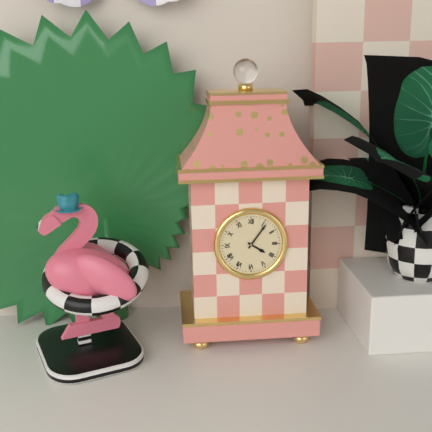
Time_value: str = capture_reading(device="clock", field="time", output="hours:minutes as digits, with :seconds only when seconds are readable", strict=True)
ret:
4:06
